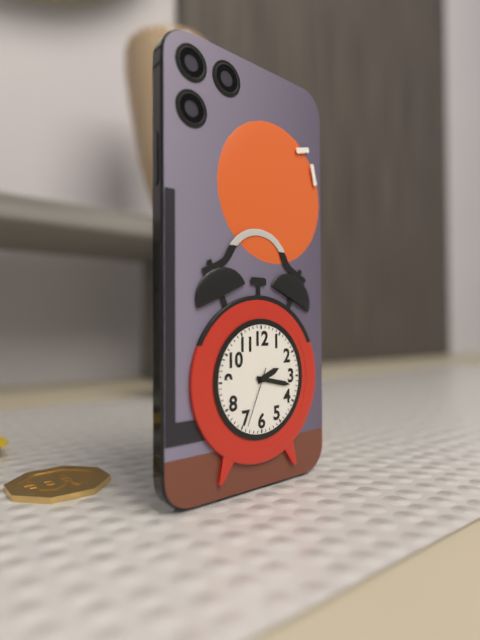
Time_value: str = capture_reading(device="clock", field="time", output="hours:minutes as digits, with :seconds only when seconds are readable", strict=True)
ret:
2:17:34
